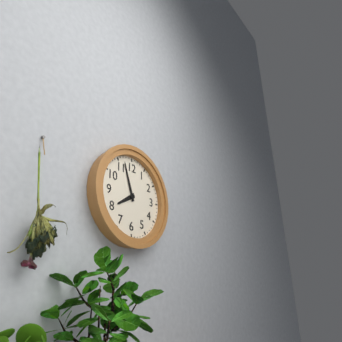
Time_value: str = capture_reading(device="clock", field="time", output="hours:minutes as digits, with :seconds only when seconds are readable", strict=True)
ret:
7:57
